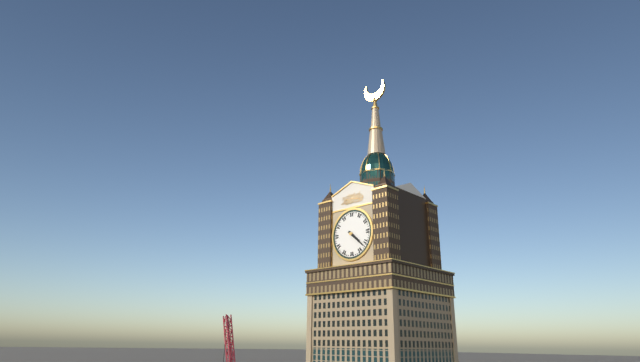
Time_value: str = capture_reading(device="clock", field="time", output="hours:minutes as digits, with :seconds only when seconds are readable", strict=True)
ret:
4:22
